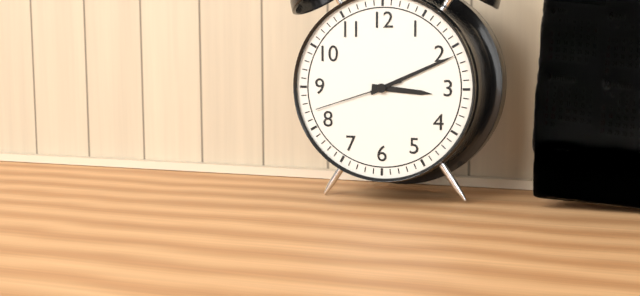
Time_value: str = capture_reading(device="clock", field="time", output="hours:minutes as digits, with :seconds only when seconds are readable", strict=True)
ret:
3:11:42
